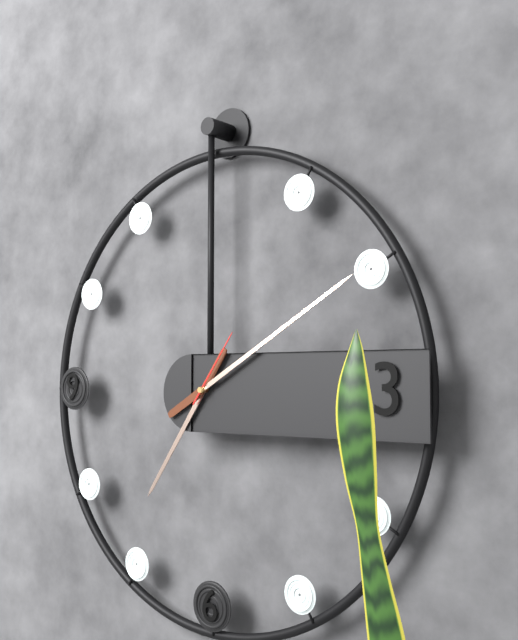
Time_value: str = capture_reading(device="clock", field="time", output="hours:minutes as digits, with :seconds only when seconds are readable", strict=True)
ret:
7:10:06
